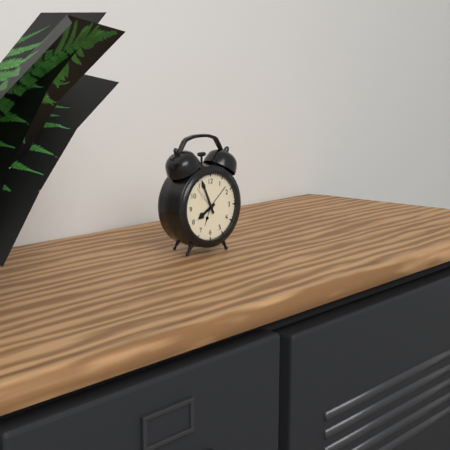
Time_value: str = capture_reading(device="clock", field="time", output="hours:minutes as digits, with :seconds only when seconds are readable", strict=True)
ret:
7:56
